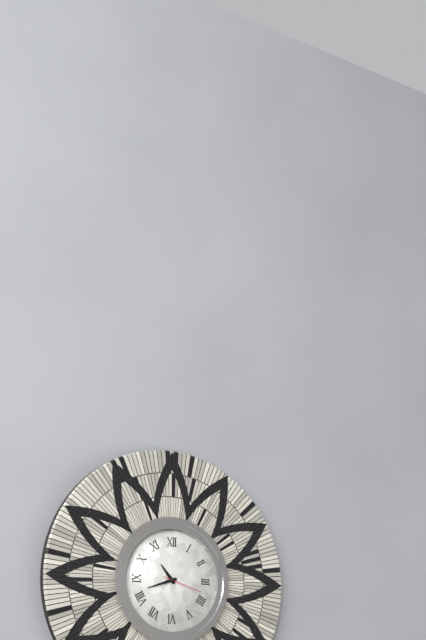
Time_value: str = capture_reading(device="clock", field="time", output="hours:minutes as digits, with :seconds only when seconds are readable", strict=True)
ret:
10:42
